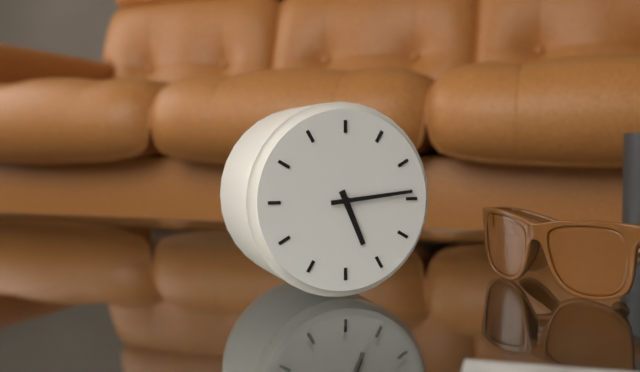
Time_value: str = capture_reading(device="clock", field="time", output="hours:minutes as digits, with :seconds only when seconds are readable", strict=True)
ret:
5:14
